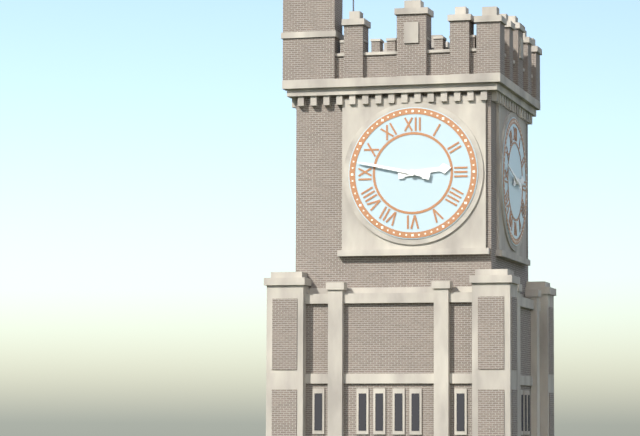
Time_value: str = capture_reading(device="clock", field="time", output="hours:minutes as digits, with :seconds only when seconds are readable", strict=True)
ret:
2:47
